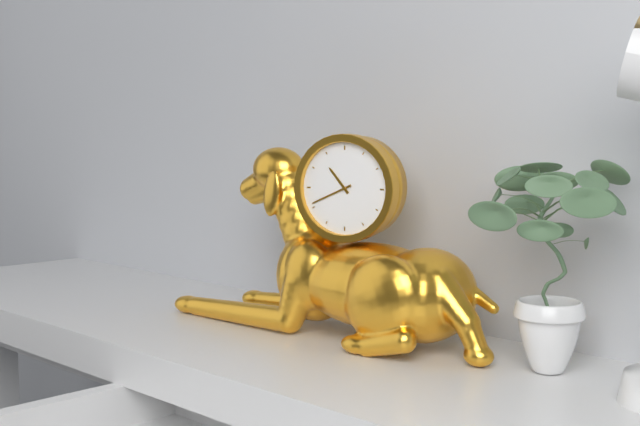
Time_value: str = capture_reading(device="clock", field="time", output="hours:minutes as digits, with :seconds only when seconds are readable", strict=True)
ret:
10:41
